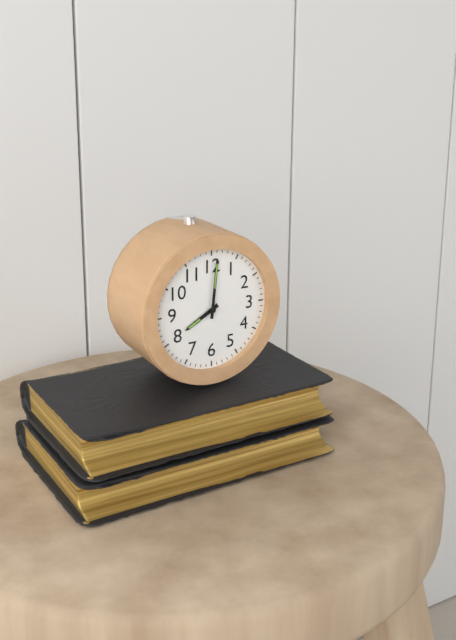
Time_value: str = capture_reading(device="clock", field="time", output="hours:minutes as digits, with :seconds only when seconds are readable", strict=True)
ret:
8:01
